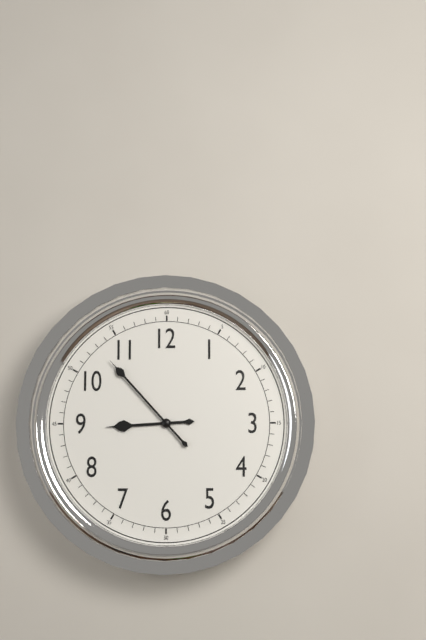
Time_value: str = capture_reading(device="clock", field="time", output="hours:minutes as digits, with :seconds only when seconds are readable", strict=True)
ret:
8:53
